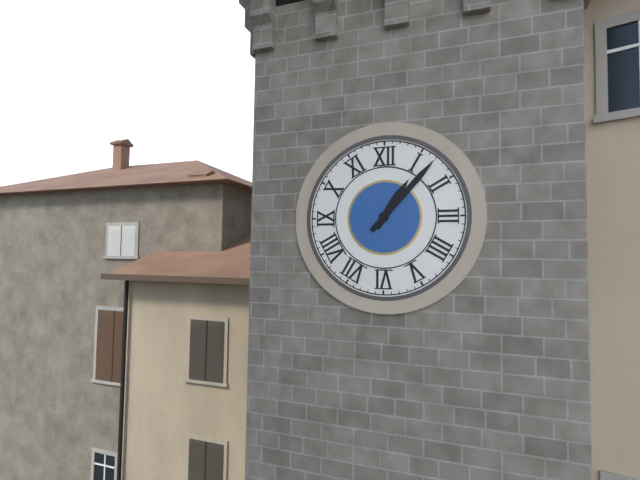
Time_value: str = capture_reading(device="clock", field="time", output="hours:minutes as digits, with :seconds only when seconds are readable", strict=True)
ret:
1:07
